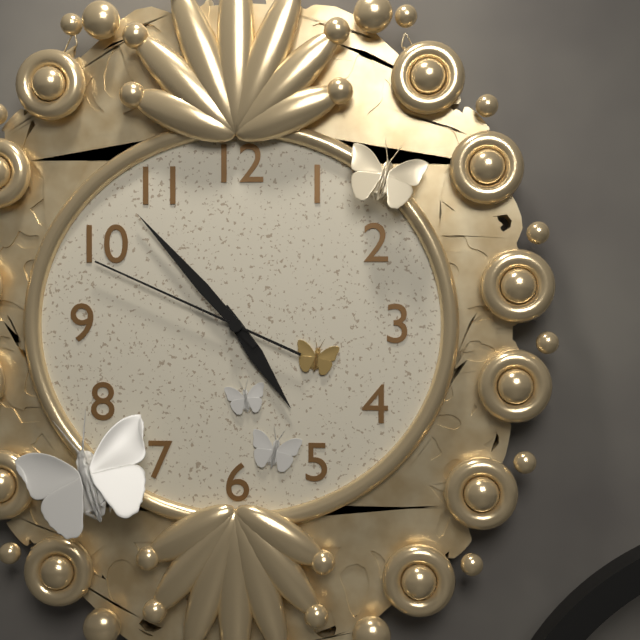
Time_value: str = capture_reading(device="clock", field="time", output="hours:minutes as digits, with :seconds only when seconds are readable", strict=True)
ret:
4:53:49
